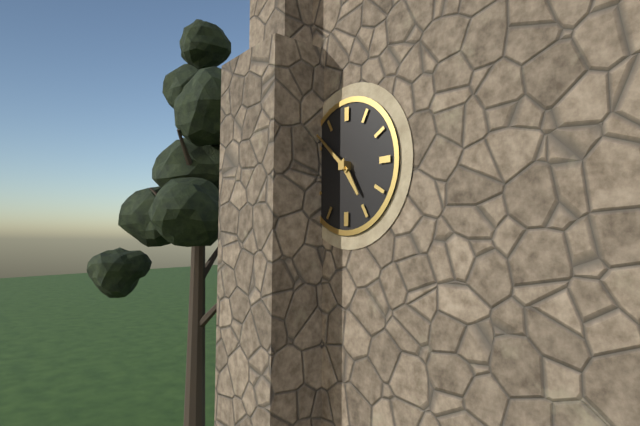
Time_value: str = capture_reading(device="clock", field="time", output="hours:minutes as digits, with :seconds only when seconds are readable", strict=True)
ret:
4:52
